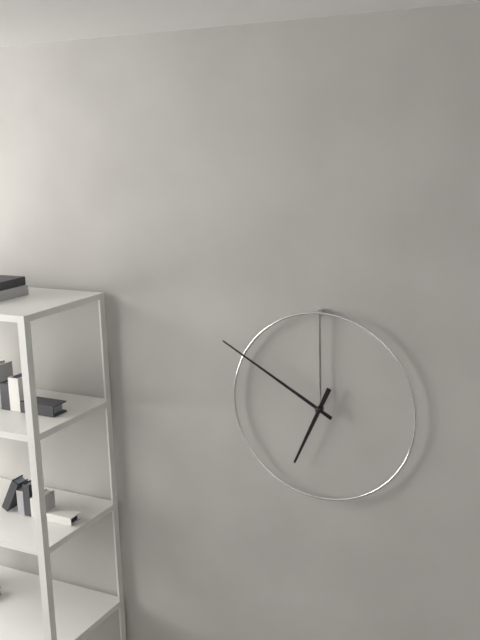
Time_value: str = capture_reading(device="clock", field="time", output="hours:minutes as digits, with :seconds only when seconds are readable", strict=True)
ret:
6:50
